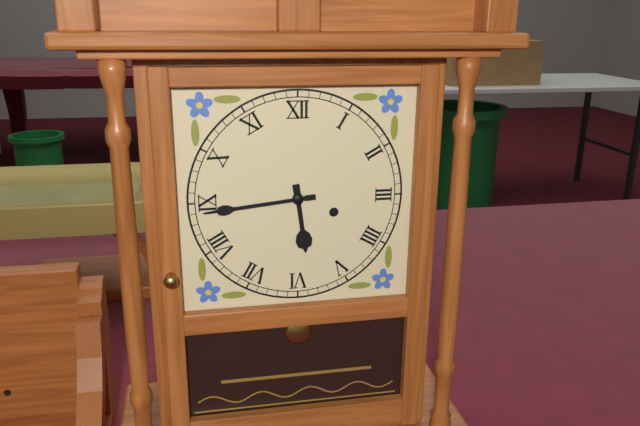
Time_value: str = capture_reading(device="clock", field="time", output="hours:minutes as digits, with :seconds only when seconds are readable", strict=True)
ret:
5:44
